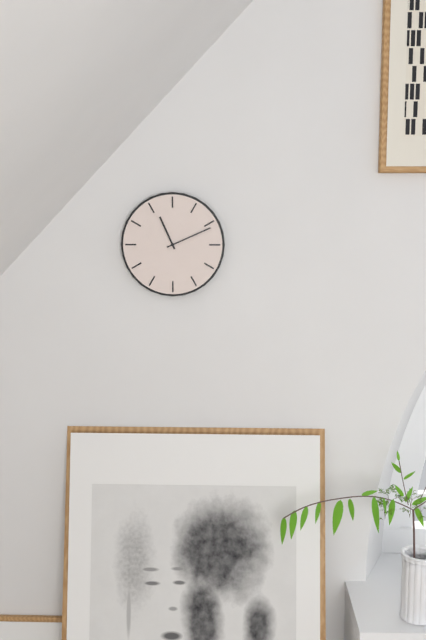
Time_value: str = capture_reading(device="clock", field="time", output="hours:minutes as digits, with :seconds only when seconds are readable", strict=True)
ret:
11:11
